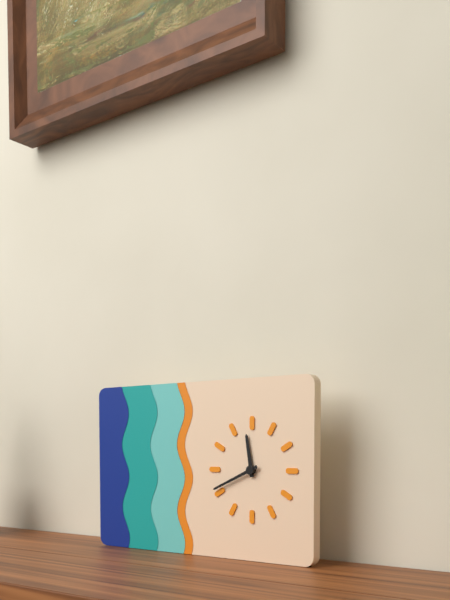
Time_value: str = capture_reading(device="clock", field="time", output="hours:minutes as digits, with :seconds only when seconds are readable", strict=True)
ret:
11:41
